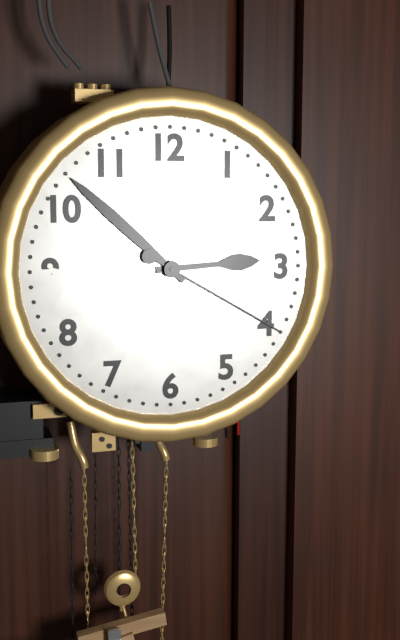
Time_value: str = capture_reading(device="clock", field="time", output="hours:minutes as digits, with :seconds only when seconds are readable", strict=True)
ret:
2:52:20
